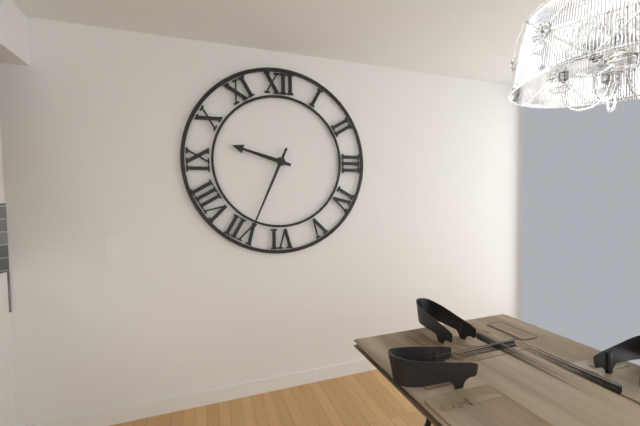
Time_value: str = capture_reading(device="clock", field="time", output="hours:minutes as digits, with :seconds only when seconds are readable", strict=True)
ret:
9:34
